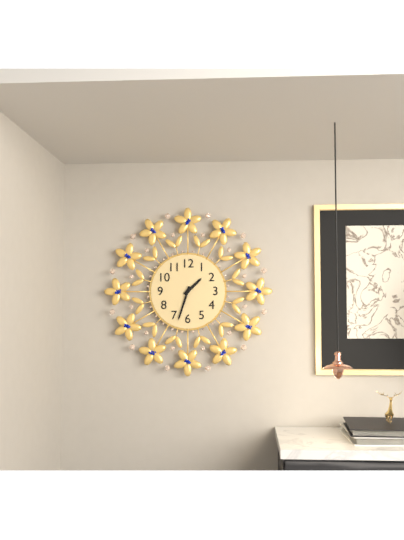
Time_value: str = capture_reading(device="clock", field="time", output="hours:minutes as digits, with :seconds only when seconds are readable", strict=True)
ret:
1:33
